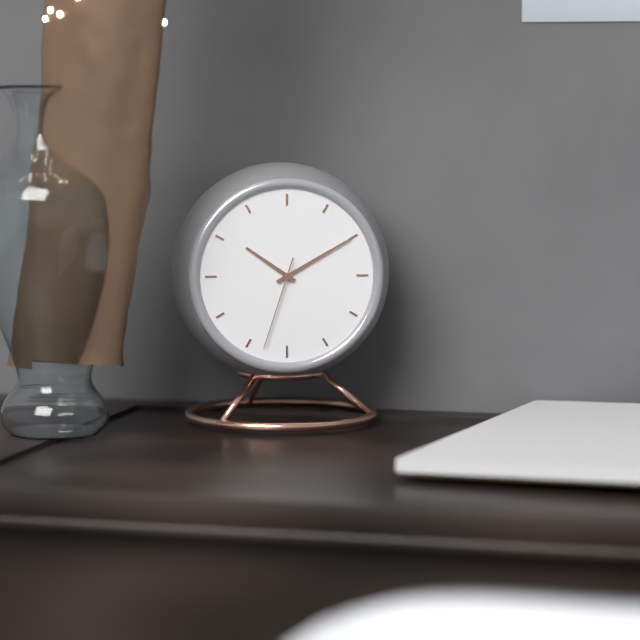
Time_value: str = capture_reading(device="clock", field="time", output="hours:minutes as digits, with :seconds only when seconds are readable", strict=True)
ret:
10:10:33
